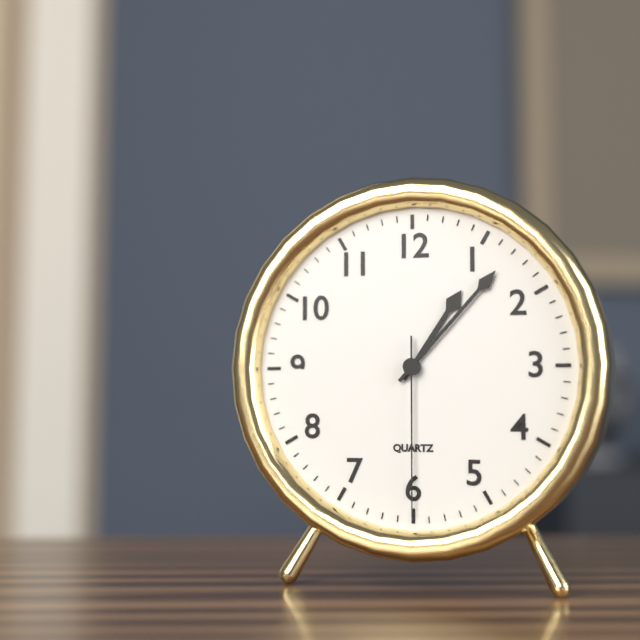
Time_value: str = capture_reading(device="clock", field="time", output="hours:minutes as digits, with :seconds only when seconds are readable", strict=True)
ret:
1:07:30
